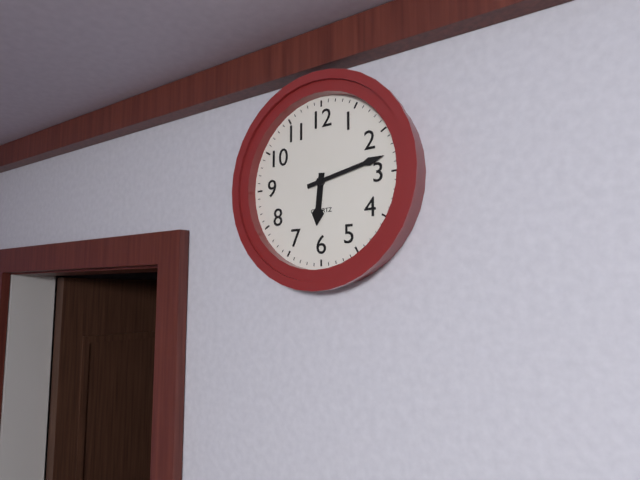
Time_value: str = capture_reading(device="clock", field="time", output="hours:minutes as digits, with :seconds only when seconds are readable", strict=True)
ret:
6:13
